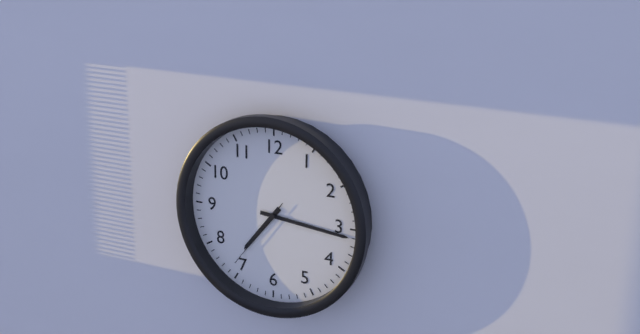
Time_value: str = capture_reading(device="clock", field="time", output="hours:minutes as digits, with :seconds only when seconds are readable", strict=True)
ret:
7:16:36
